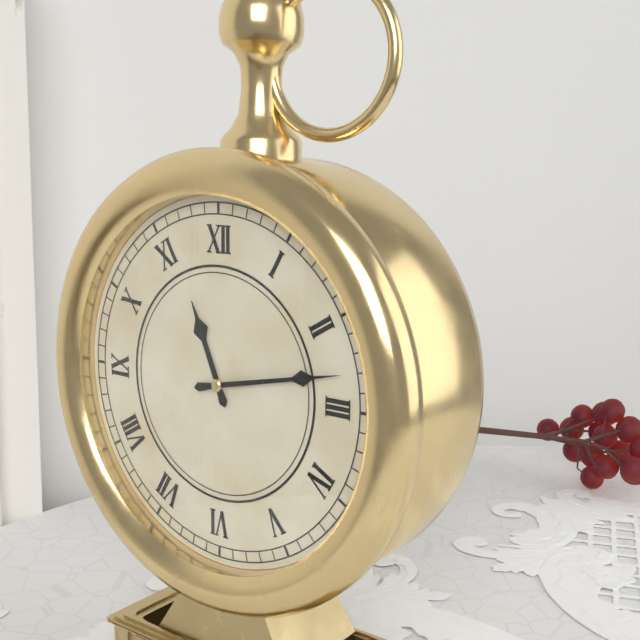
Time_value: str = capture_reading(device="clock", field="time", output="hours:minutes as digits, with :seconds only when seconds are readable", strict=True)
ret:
11:13
